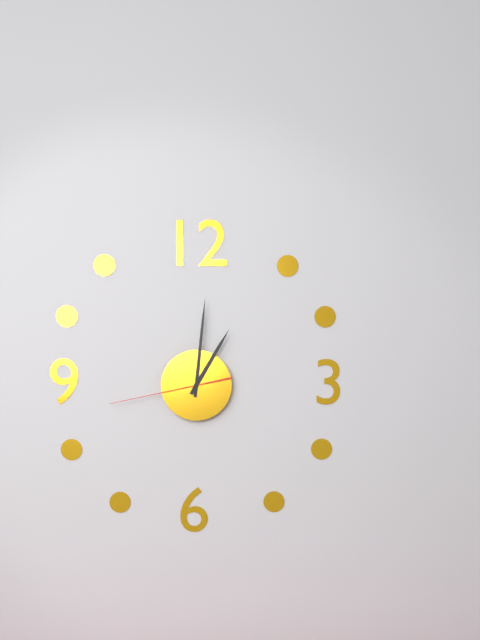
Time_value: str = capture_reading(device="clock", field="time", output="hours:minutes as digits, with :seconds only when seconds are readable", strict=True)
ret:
1:01:43
